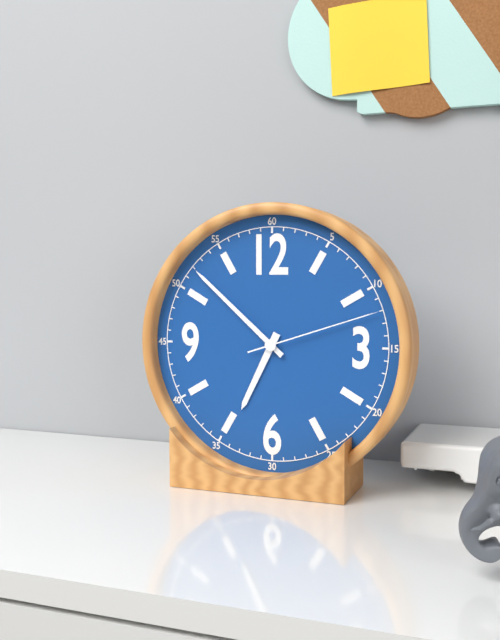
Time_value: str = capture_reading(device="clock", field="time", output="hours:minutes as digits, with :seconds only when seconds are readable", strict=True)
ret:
6:52:12
